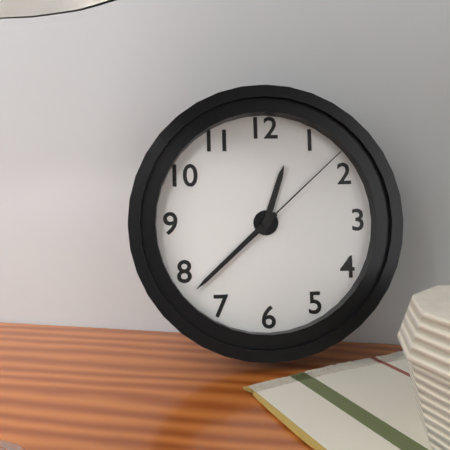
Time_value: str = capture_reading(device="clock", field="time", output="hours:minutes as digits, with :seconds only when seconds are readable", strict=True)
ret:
12:38:08
